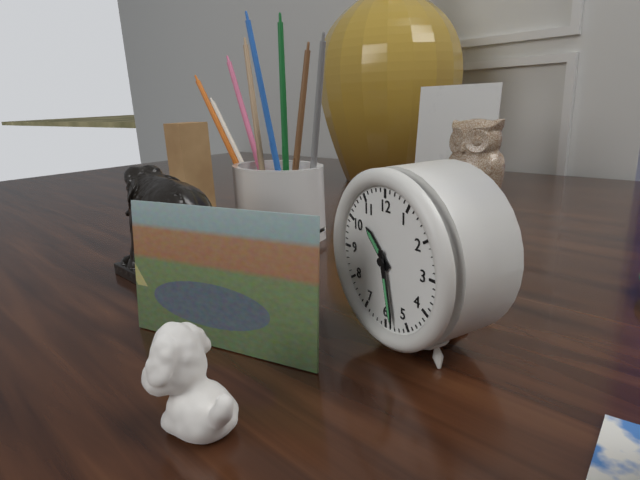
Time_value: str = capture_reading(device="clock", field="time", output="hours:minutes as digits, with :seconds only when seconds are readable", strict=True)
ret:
10:28
